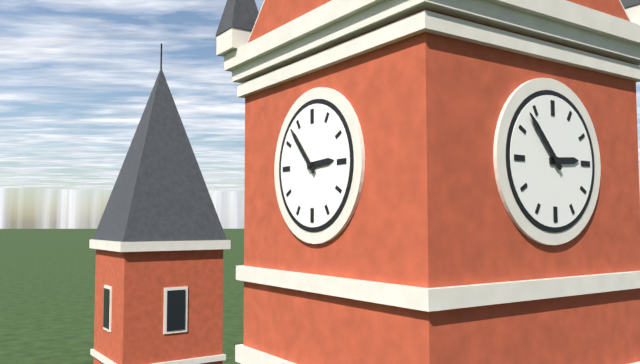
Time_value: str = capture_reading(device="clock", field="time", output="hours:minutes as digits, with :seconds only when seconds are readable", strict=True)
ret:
2:53
